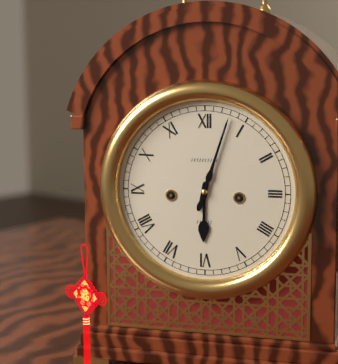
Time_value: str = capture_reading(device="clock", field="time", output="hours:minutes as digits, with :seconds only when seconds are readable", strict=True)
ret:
6:03
